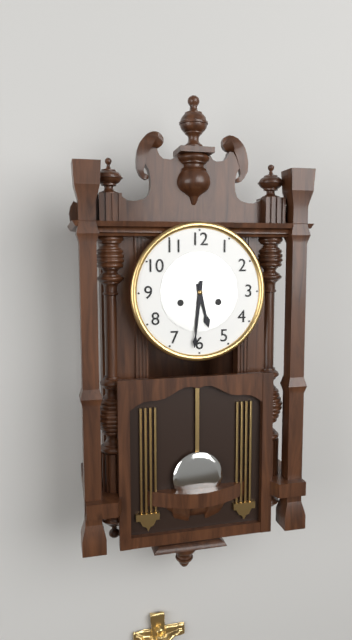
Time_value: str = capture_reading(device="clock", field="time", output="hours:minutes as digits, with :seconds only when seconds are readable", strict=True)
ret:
5:31
